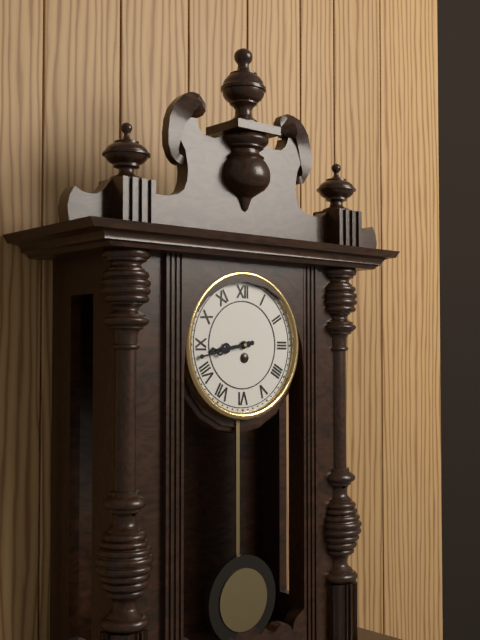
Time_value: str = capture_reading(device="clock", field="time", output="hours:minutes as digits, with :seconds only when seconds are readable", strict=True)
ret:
8:43
